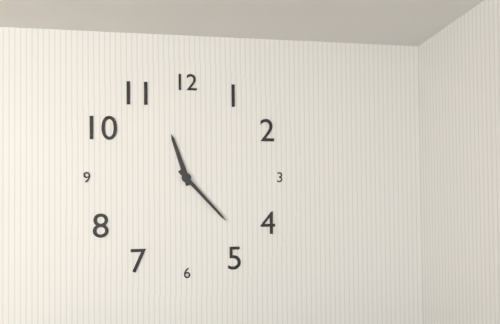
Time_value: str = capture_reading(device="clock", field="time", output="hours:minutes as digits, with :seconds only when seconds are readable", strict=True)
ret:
11:23
